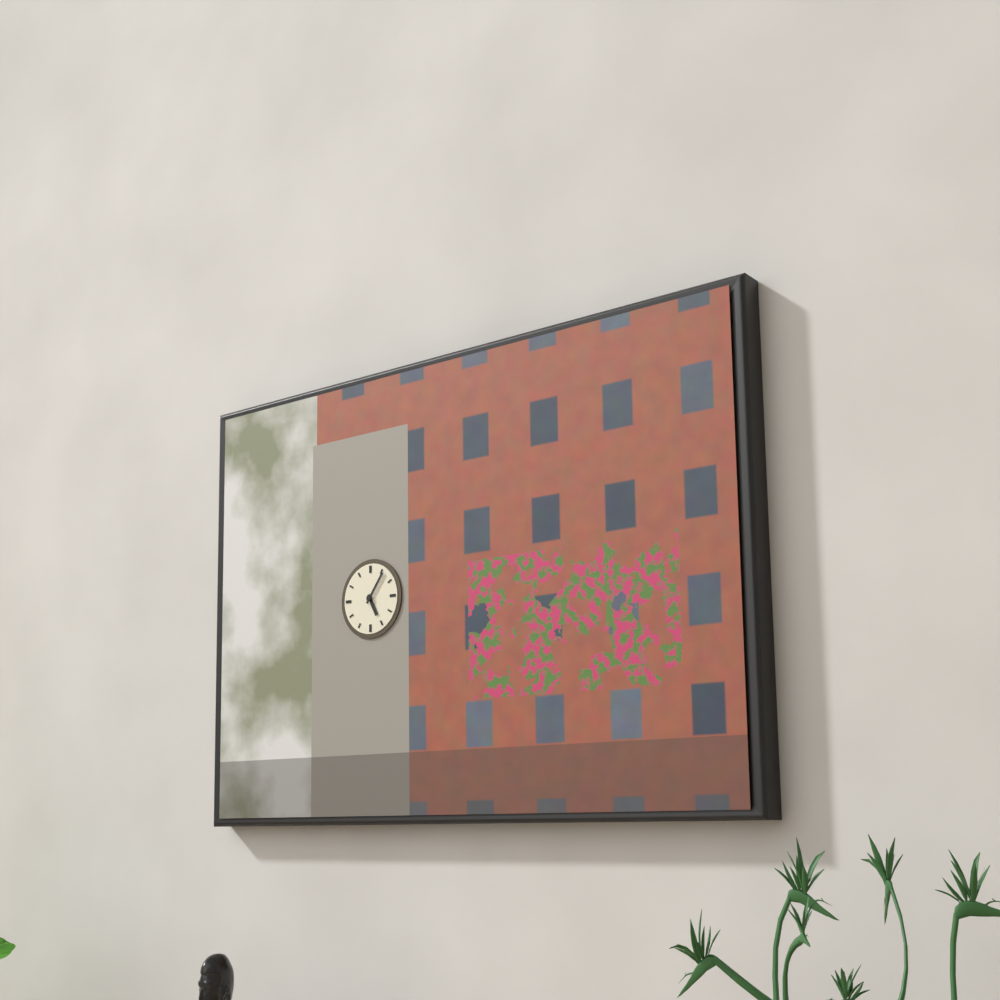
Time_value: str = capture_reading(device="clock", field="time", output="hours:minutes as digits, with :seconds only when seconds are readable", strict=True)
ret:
5:06
